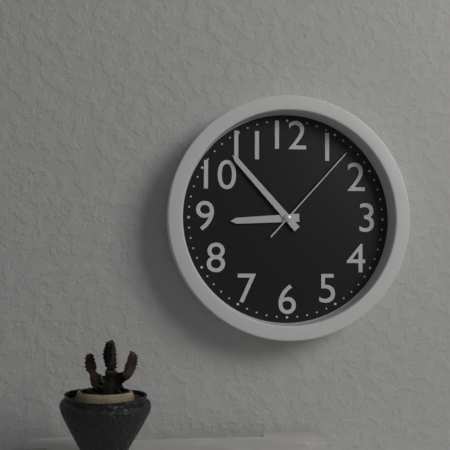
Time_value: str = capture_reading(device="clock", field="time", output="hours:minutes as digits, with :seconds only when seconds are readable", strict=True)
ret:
8:53:07
